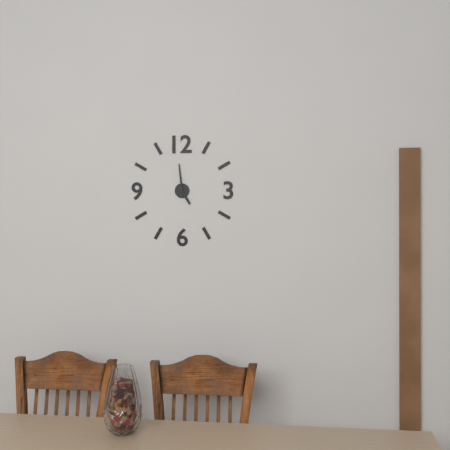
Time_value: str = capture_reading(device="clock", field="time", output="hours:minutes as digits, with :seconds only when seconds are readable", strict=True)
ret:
4:59
